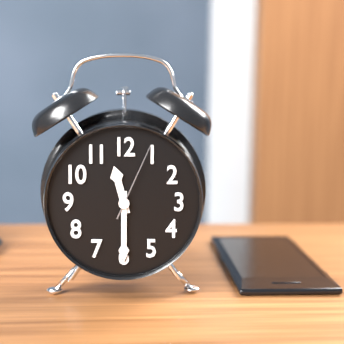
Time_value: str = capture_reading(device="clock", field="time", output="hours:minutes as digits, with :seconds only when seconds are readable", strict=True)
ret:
11:30:04
